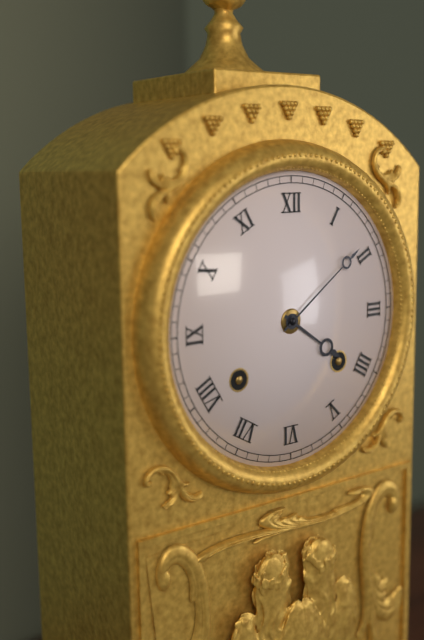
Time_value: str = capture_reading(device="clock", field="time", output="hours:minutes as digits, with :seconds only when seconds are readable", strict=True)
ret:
4:09
